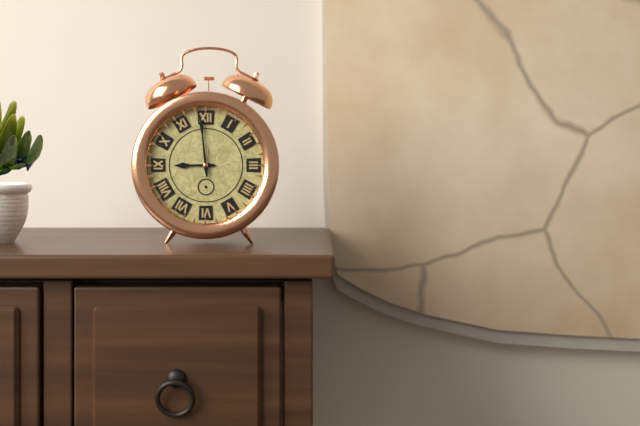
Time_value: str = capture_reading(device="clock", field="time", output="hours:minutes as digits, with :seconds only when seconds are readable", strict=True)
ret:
8:59
